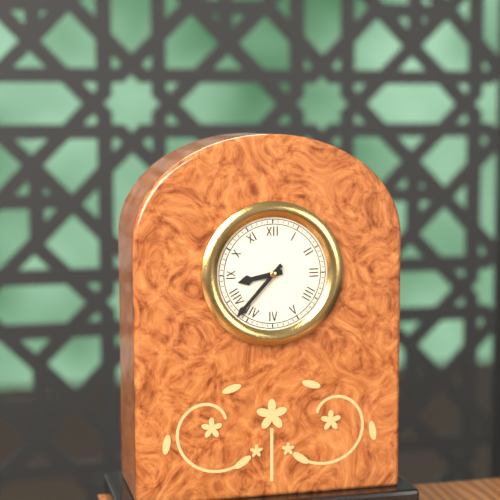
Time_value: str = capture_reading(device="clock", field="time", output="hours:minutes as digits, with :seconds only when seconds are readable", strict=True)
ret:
8:37
